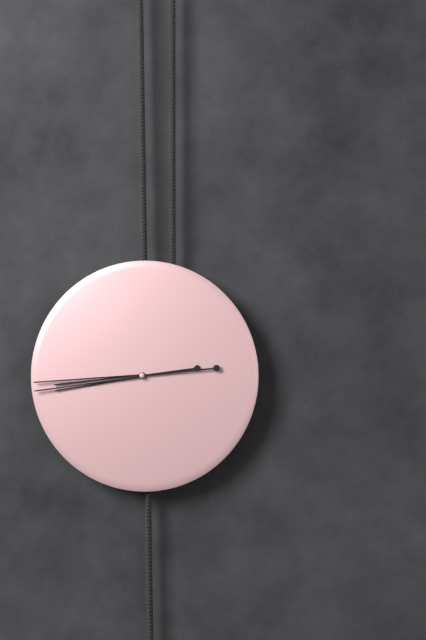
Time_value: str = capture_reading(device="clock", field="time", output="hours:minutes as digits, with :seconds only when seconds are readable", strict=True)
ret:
8:44
